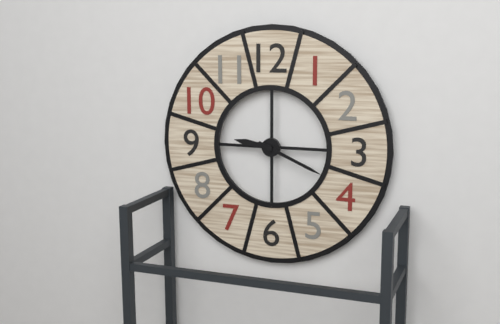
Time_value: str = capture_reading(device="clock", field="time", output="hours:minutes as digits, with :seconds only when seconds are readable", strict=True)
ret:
9:19
